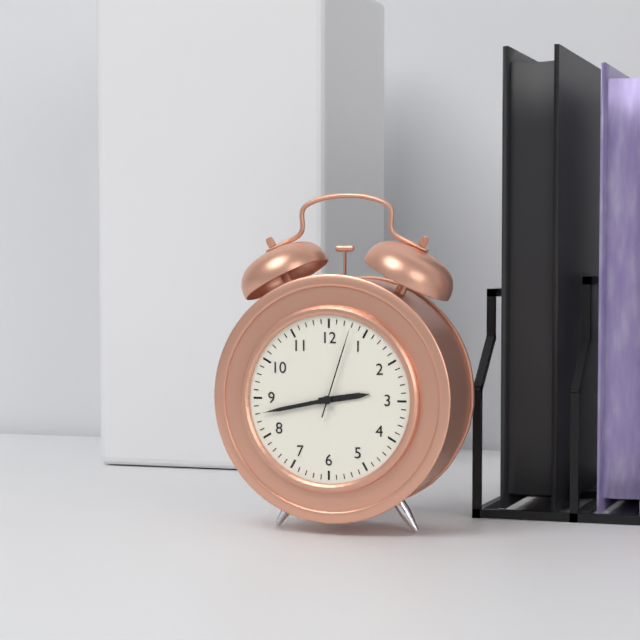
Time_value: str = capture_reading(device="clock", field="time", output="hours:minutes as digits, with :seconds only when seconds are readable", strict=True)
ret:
2:43:03
